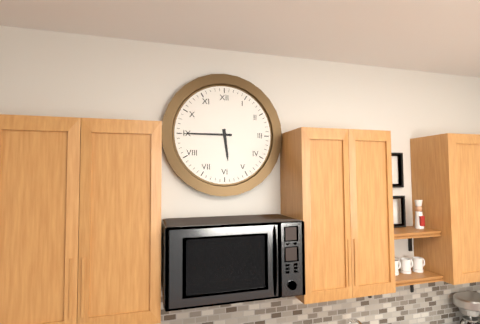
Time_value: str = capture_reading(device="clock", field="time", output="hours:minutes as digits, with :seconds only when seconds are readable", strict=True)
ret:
5:45
